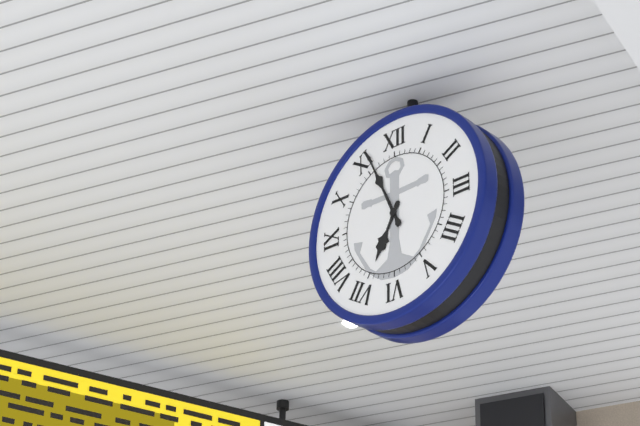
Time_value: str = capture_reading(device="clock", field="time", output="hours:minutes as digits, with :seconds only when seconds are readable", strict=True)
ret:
6:56
